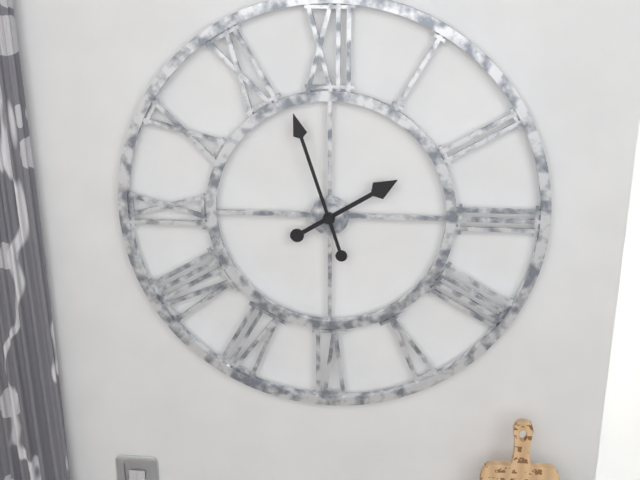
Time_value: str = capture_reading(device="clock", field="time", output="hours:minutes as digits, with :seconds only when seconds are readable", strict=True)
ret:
1:57
